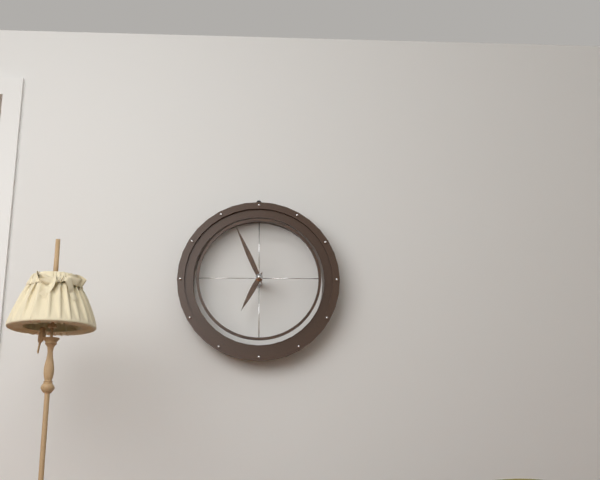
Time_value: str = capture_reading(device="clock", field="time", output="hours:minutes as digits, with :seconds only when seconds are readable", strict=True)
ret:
6:56
